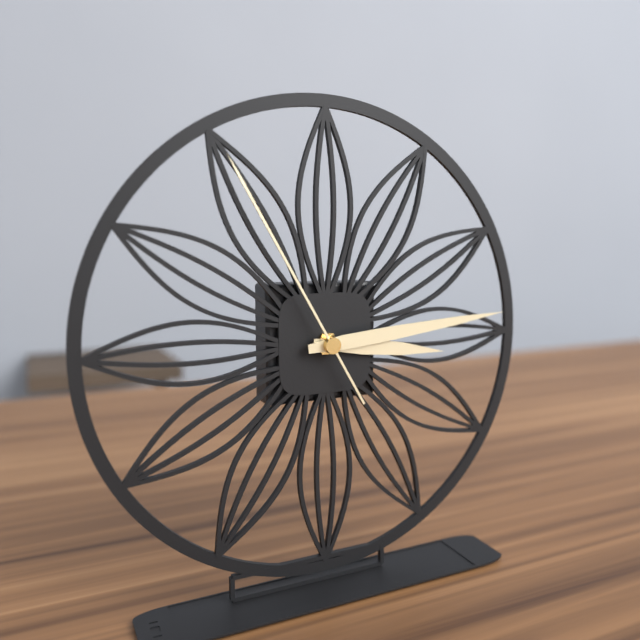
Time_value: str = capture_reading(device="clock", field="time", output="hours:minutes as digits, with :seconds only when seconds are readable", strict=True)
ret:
3:14:55
